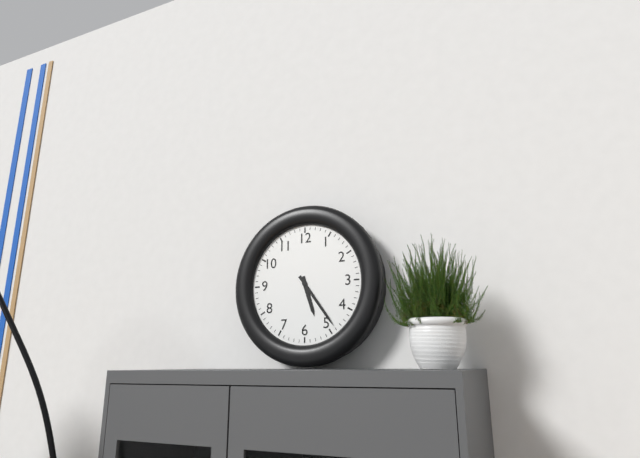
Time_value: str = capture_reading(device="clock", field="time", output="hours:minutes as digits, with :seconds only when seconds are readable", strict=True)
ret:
5:24
